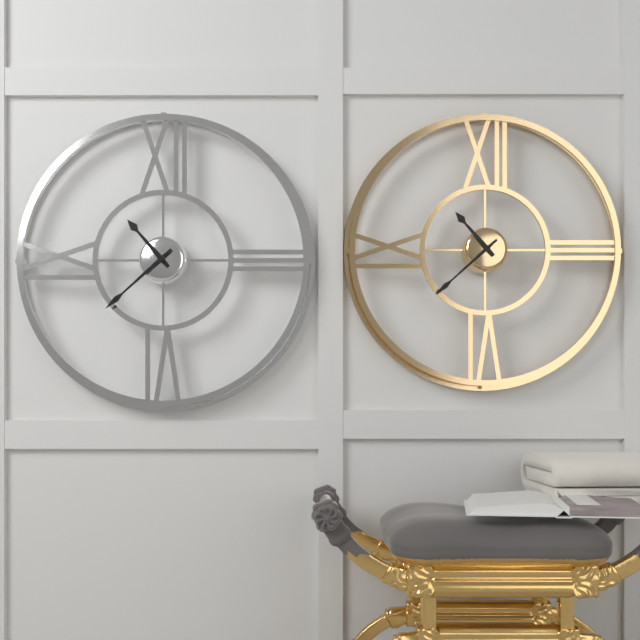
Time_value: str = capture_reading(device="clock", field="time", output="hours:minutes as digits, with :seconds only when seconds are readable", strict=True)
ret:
10:38
